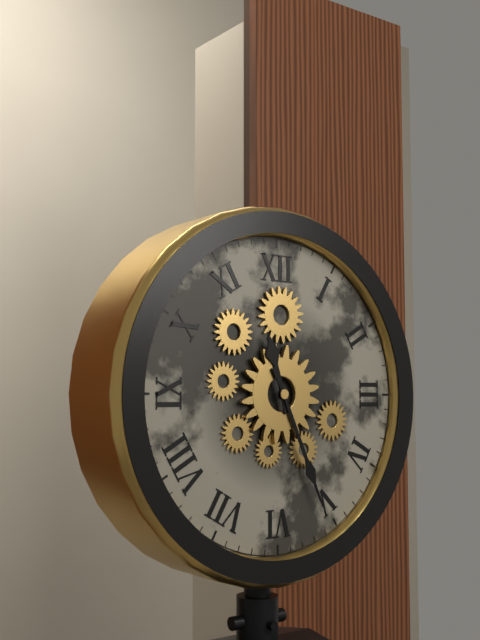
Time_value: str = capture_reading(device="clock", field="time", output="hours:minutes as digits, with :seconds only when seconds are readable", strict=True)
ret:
11:26
